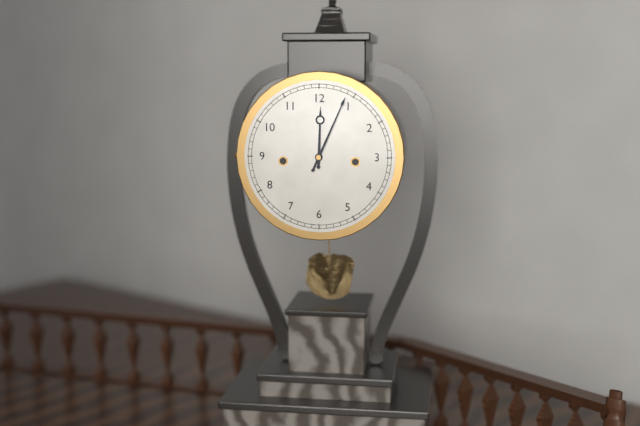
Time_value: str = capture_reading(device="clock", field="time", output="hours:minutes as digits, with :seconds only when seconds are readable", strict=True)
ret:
12:04
